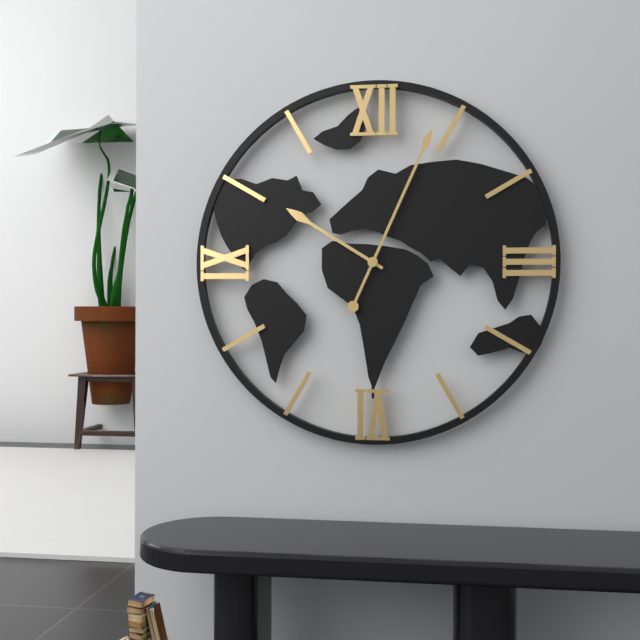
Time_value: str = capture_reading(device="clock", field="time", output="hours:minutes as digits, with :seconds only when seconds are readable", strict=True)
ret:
10:04
